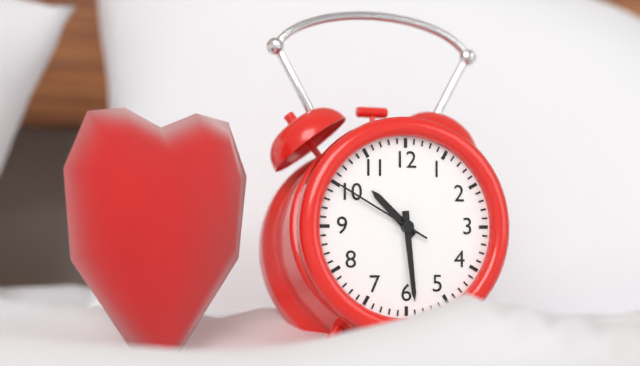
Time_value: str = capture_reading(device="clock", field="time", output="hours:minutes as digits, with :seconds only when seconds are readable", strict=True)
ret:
10:29:50
